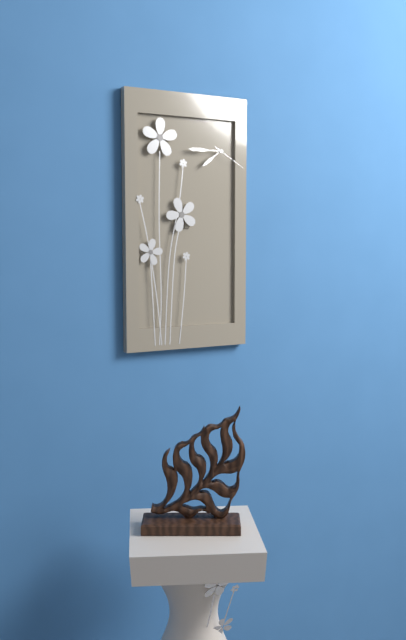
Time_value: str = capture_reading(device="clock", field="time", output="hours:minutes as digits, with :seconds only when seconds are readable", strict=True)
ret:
7:45
